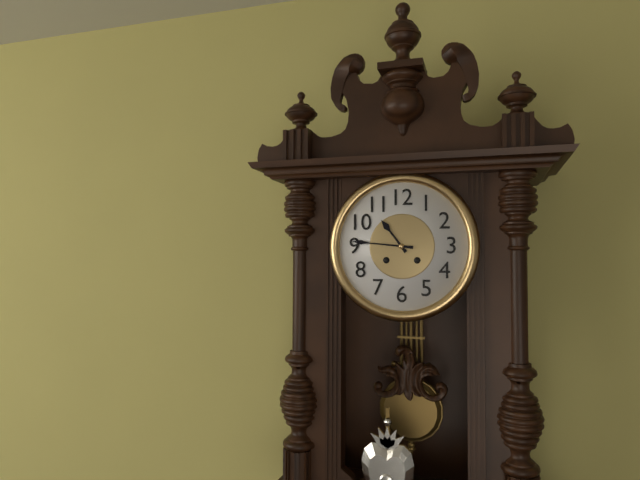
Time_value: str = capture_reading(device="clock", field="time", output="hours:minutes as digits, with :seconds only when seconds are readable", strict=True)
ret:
10:46
